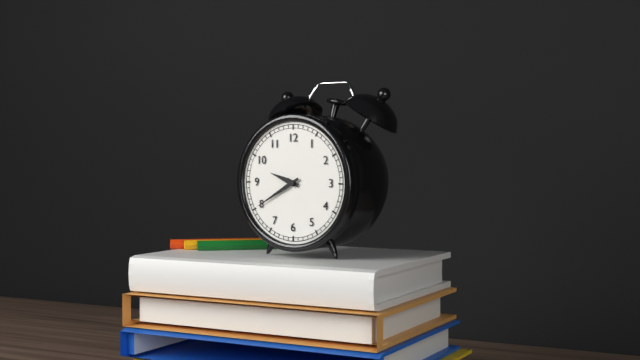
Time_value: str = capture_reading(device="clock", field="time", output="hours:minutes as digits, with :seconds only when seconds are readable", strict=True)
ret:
9:40
